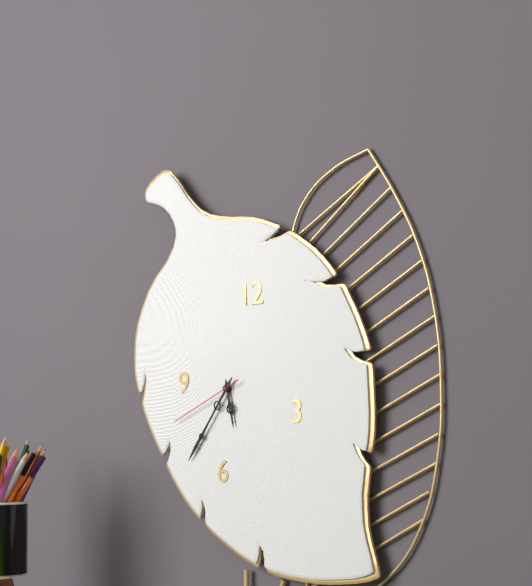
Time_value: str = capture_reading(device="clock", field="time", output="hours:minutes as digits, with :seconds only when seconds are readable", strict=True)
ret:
5:36:41
